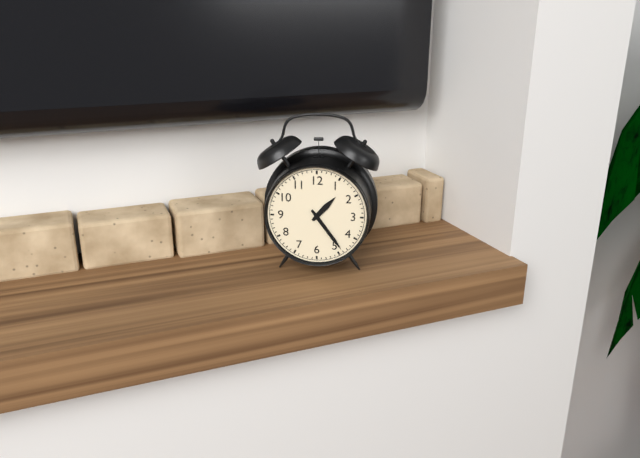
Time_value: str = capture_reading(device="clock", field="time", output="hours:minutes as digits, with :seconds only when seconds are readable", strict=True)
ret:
1:24
